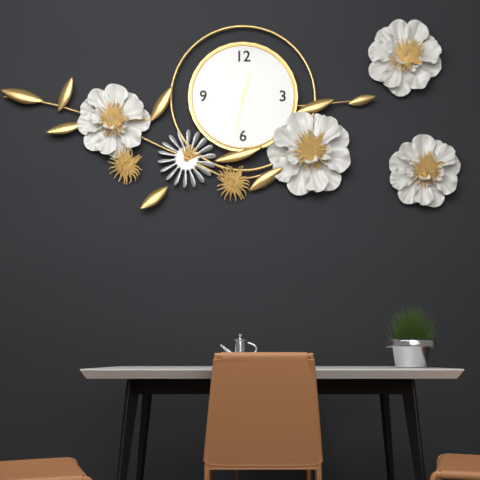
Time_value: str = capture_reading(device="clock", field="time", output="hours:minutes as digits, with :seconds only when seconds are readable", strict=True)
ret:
12:32
